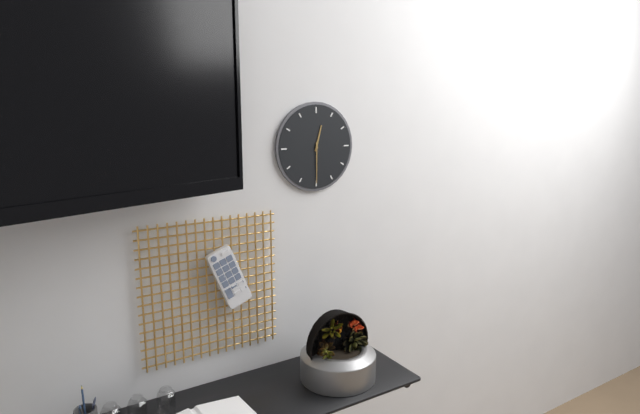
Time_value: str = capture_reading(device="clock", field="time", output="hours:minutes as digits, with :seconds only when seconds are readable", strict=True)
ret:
12:30
